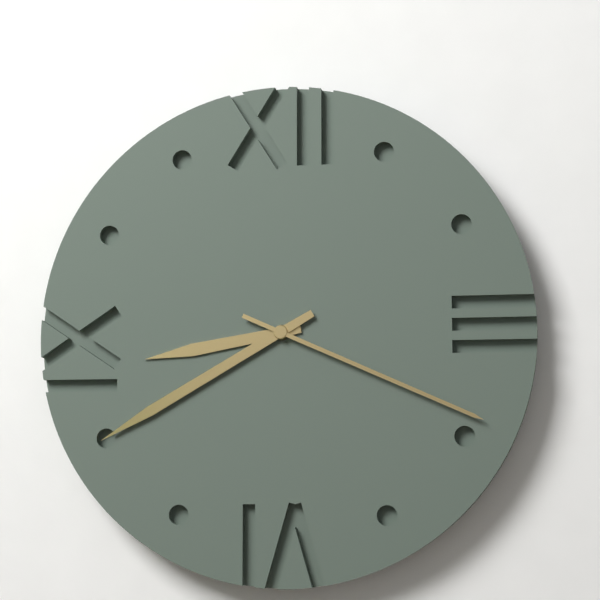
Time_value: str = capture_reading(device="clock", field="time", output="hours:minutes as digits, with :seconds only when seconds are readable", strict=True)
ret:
8:40:19
